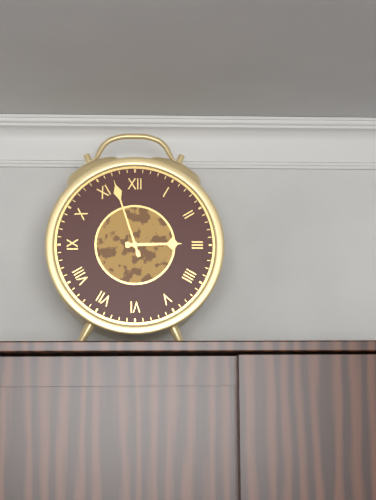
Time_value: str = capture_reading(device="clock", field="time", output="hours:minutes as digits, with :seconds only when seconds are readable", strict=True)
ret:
2:57
